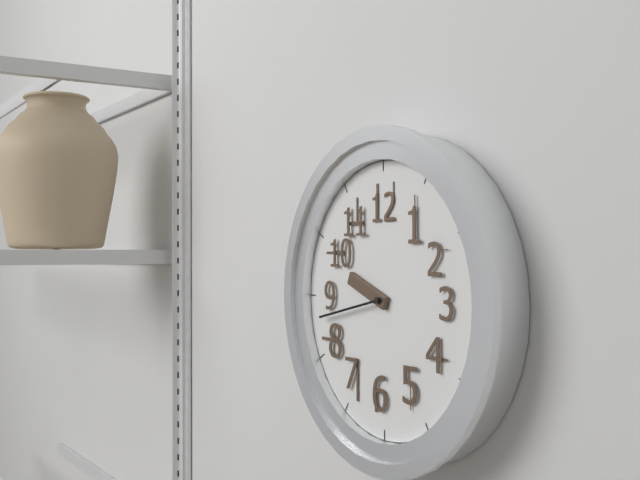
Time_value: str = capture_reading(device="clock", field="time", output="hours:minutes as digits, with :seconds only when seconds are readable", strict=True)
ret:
9:43
